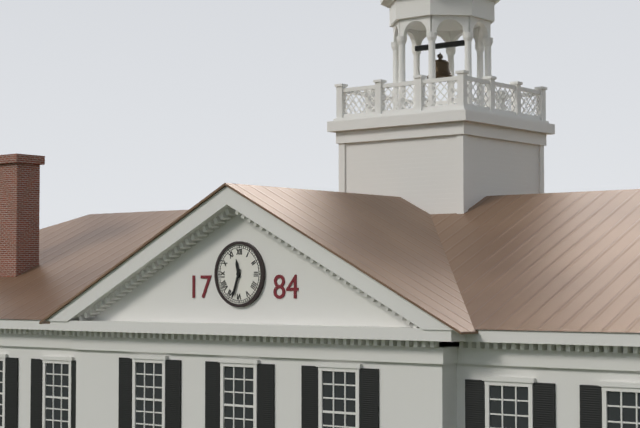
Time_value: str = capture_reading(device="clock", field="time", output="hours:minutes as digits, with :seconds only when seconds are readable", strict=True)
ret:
11:33
